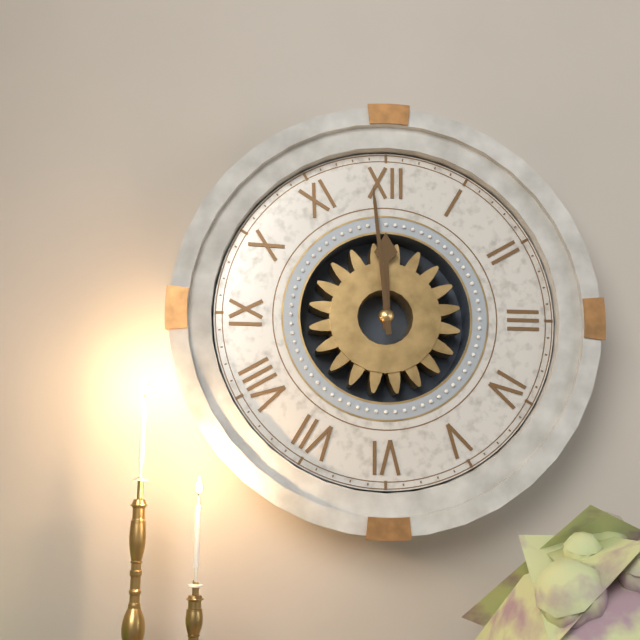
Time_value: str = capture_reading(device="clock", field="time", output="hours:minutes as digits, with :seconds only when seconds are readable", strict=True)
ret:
11:59
